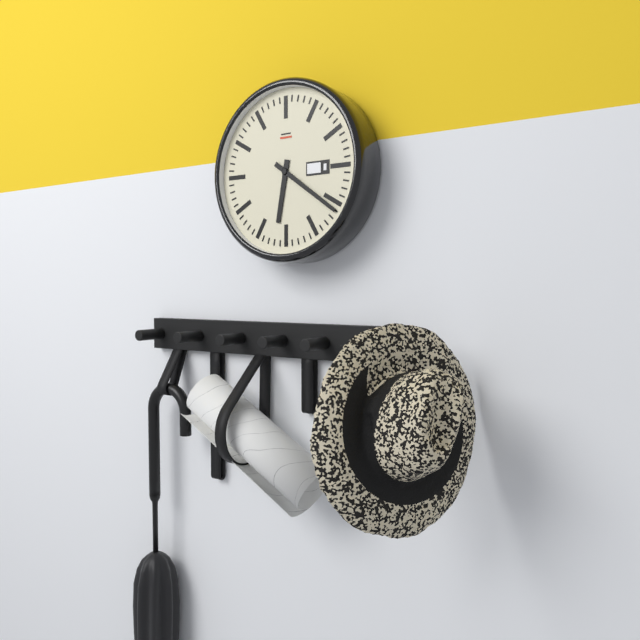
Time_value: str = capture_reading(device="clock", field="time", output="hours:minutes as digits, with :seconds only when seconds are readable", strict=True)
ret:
6:21
